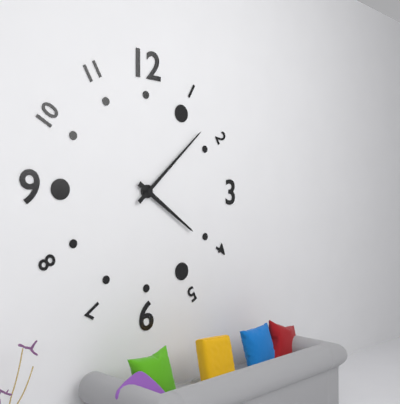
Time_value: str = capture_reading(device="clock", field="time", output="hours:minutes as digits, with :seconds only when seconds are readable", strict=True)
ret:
4:08
